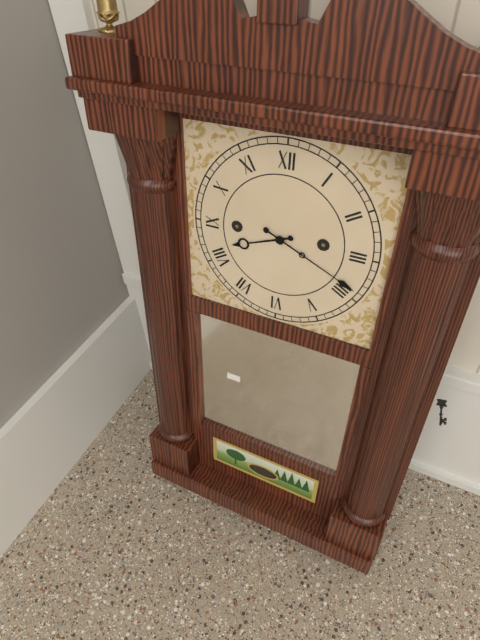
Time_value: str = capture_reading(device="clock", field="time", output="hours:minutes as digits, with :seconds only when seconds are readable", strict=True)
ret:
8:19
